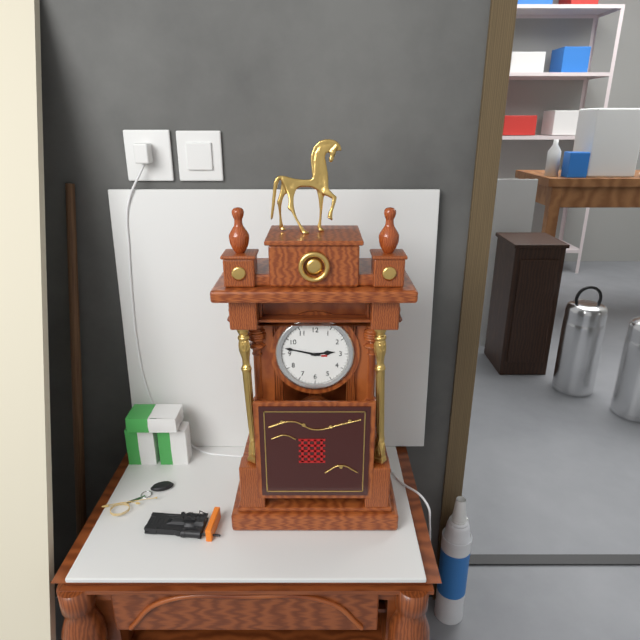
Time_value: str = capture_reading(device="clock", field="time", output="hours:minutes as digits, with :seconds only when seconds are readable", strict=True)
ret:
2:47
